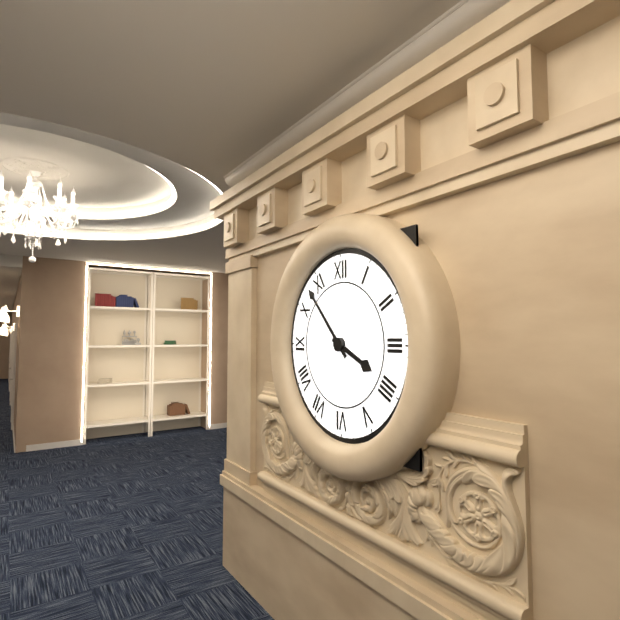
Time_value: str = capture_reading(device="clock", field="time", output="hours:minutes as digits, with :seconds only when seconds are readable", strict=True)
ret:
3:53
